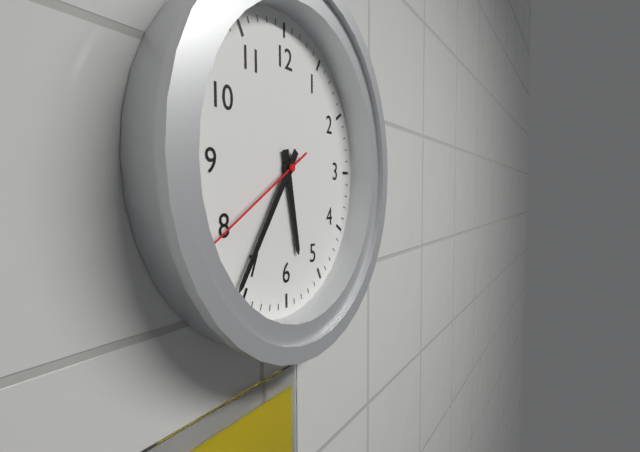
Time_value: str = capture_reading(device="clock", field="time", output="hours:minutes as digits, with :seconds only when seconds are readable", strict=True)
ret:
5:36:40
